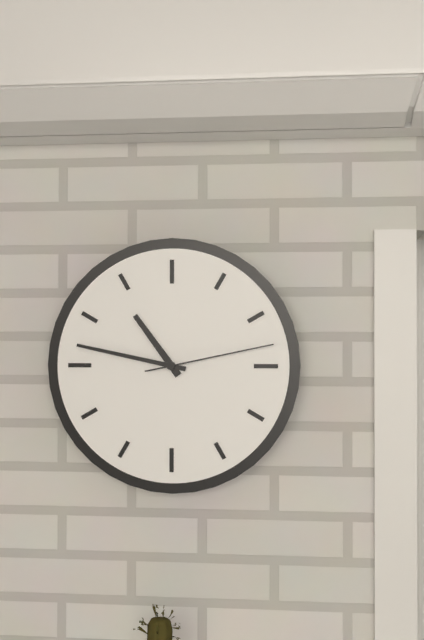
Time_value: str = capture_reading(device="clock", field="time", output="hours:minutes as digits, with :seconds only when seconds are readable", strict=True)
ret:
10:47:13
